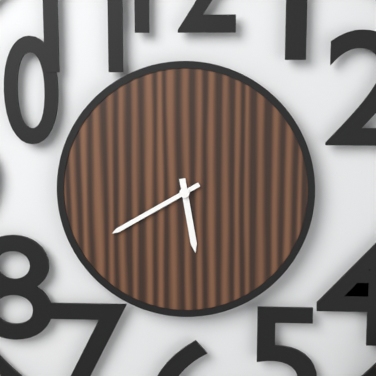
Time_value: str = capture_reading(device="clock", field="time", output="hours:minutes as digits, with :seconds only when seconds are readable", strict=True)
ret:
5:40
